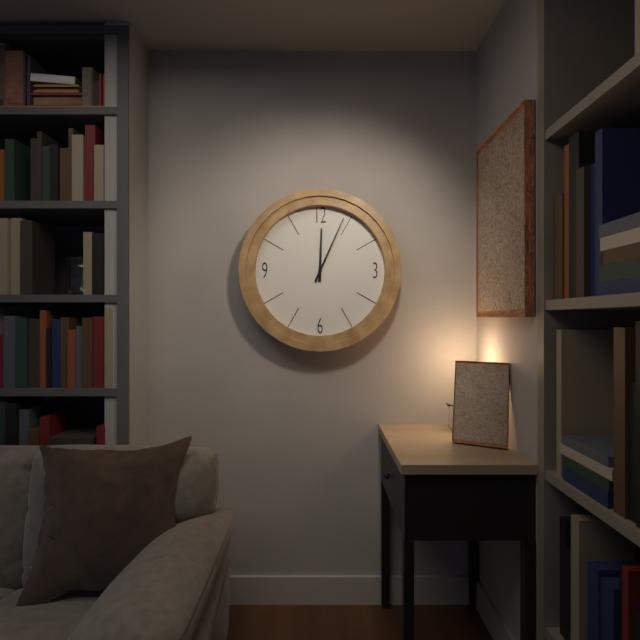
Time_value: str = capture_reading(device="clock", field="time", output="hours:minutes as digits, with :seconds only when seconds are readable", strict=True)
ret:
12:04
